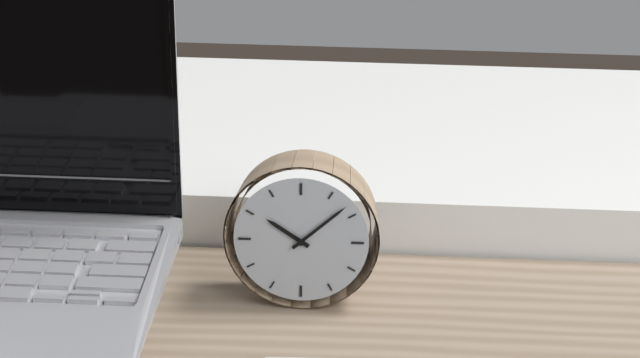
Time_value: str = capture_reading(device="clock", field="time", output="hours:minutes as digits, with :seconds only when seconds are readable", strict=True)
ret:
10:08
